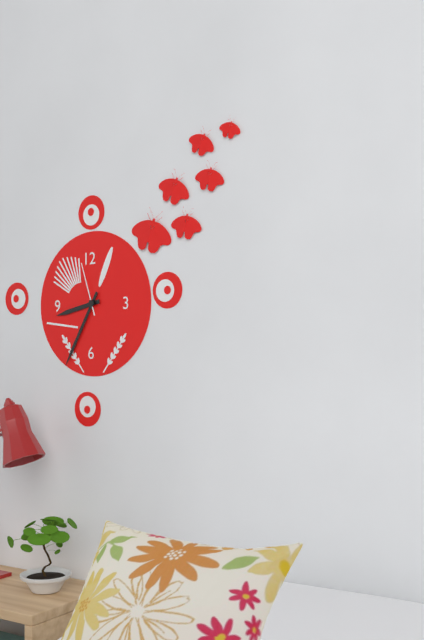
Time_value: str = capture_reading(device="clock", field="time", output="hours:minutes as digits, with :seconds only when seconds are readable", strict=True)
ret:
8:35:57
